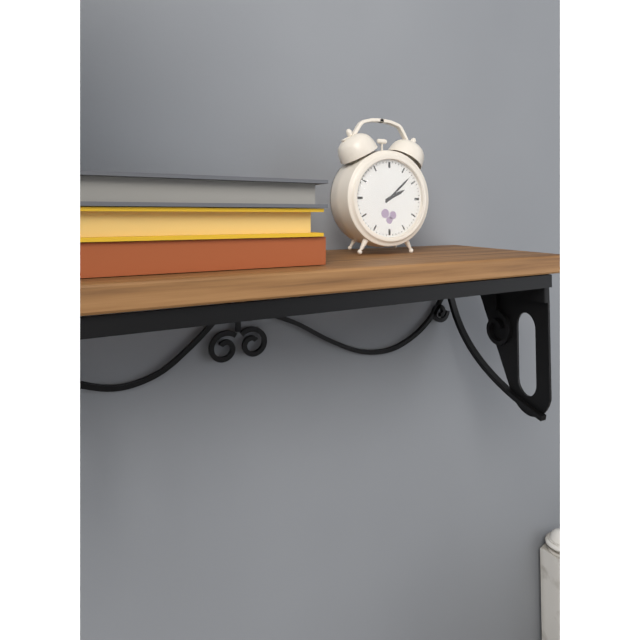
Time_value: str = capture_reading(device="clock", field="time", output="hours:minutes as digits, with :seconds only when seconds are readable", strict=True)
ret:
2:08
